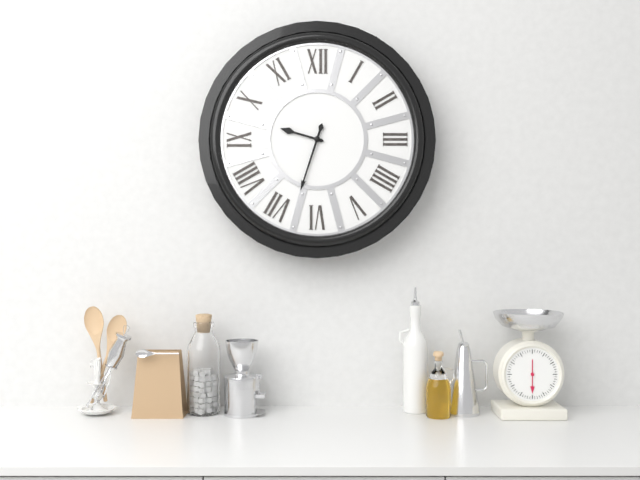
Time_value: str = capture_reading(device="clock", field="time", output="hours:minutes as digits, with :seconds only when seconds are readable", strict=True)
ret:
9:33
